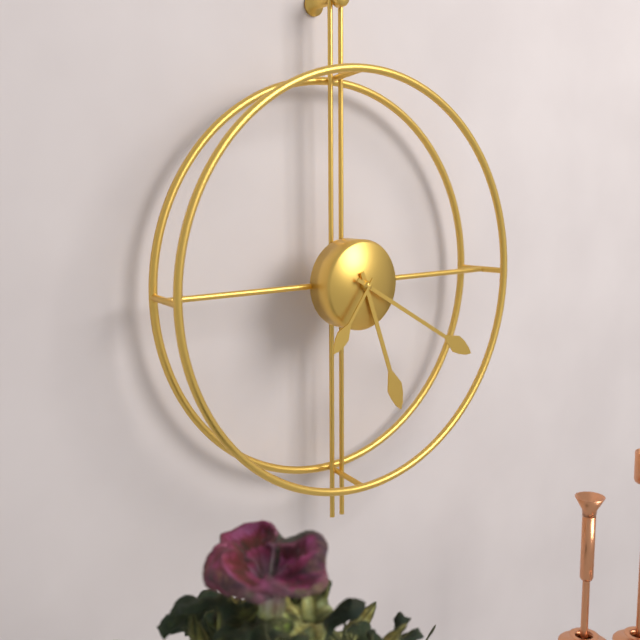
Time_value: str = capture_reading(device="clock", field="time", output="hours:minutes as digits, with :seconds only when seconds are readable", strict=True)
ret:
5:20:36
